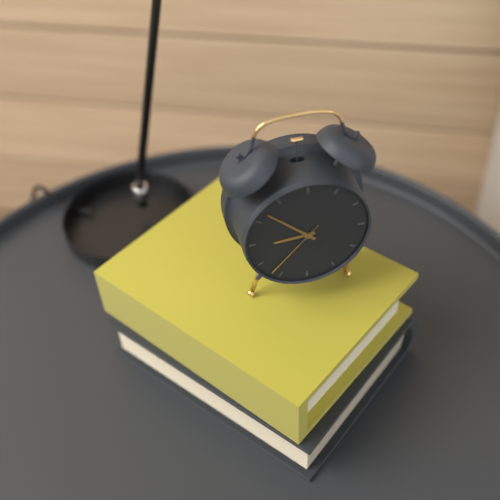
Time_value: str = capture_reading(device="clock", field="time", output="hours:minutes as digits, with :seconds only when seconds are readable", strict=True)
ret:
8:52:37
